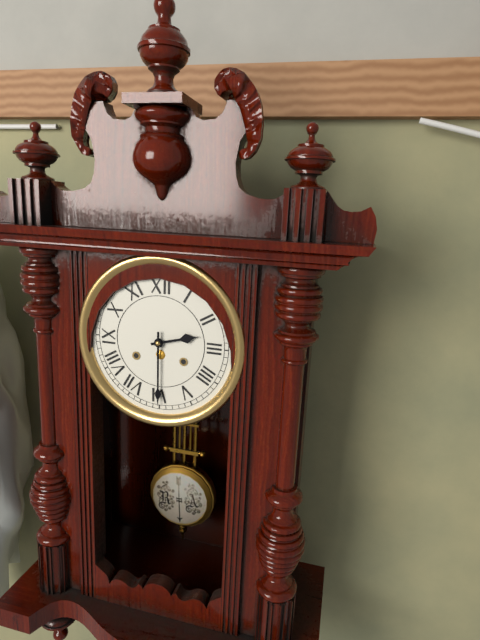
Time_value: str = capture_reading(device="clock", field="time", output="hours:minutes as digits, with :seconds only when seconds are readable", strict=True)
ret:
2:30
